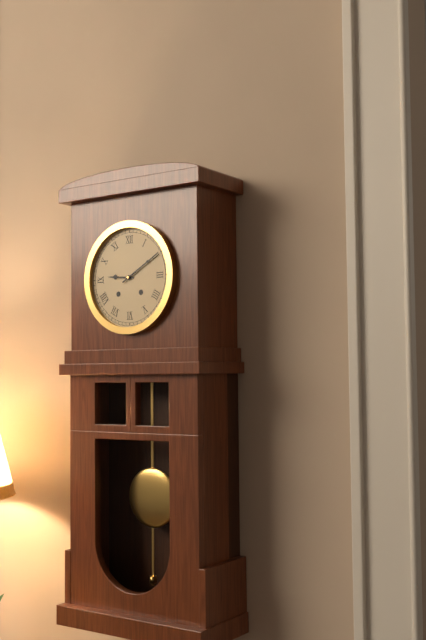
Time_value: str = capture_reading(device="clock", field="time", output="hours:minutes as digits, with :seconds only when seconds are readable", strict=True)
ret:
9:10
